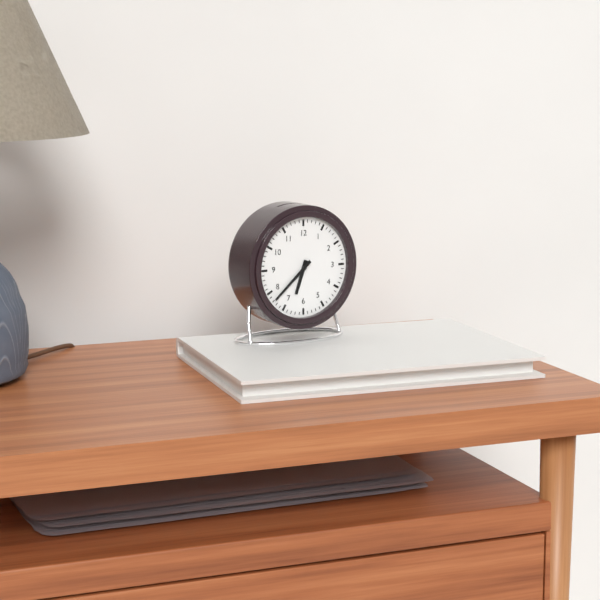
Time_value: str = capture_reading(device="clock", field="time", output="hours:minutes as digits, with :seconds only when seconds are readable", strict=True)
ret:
6:38
